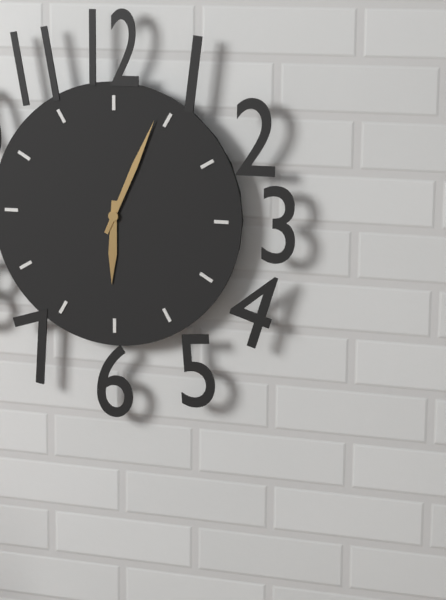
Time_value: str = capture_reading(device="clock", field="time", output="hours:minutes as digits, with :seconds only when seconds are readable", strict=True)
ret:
6:04
